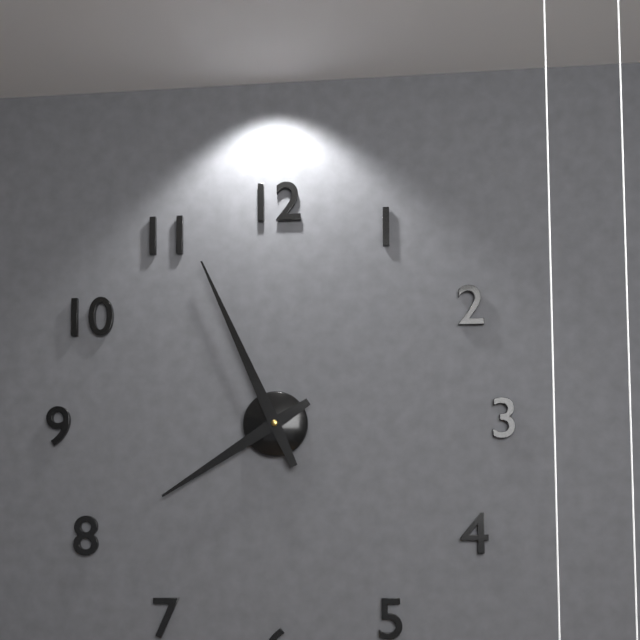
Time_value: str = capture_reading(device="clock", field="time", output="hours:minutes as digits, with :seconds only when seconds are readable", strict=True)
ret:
7:56
